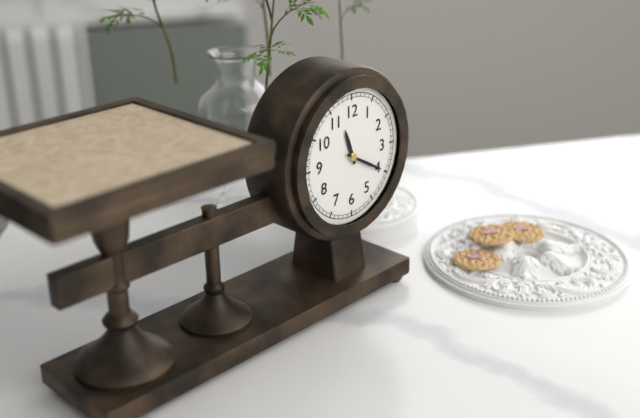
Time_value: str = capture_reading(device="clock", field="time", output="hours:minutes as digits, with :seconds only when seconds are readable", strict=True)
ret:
11:20
